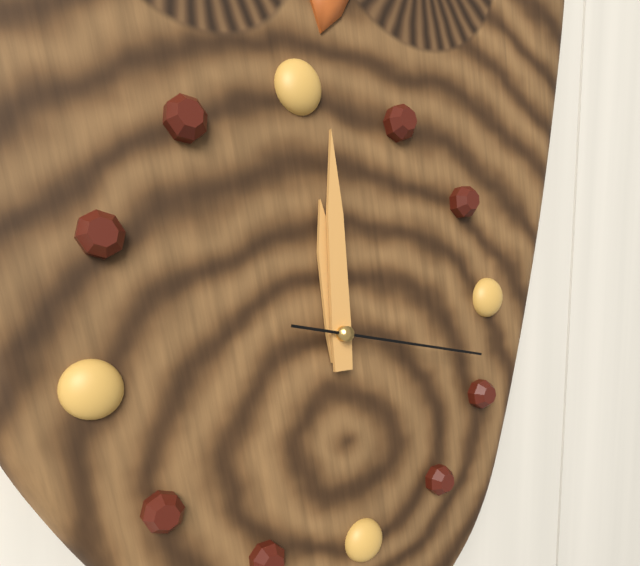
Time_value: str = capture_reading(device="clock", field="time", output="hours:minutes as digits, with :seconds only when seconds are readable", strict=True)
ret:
12:01:18
